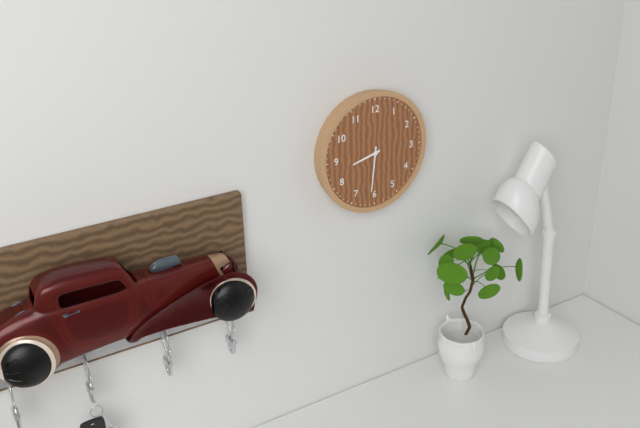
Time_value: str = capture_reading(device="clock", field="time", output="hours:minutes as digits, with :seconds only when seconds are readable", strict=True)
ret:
8:31
